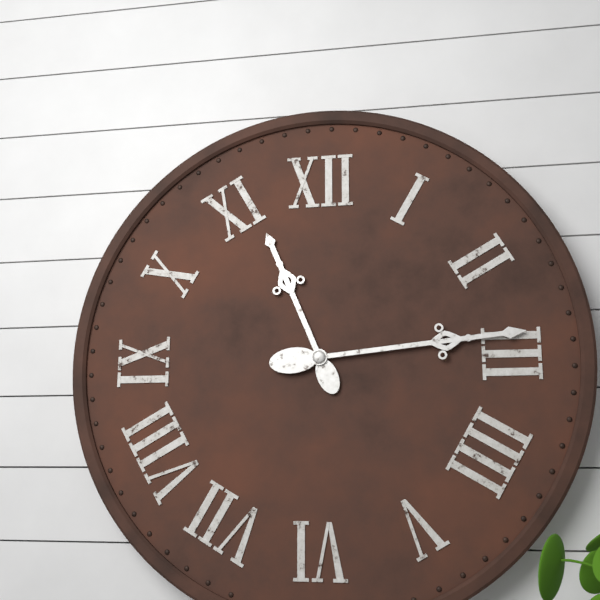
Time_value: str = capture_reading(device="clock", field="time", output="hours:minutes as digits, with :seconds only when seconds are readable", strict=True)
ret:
11:14
